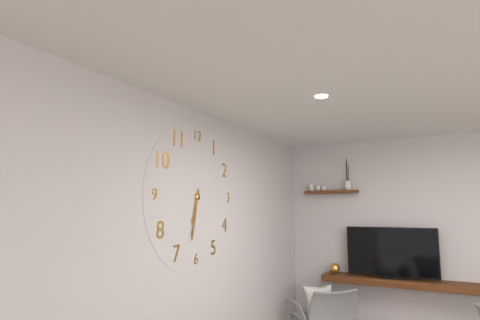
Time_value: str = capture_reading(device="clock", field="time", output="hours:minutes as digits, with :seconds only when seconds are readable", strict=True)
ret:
6:32
